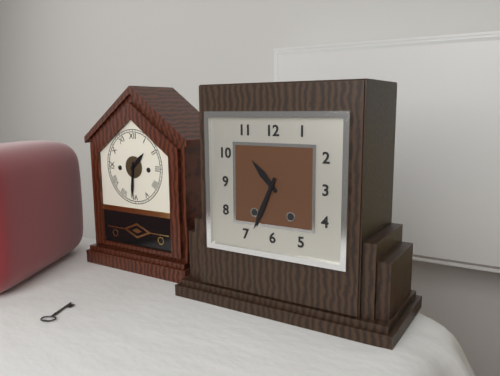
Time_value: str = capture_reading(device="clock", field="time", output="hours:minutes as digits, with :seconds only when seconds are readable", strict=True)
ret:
10:34
